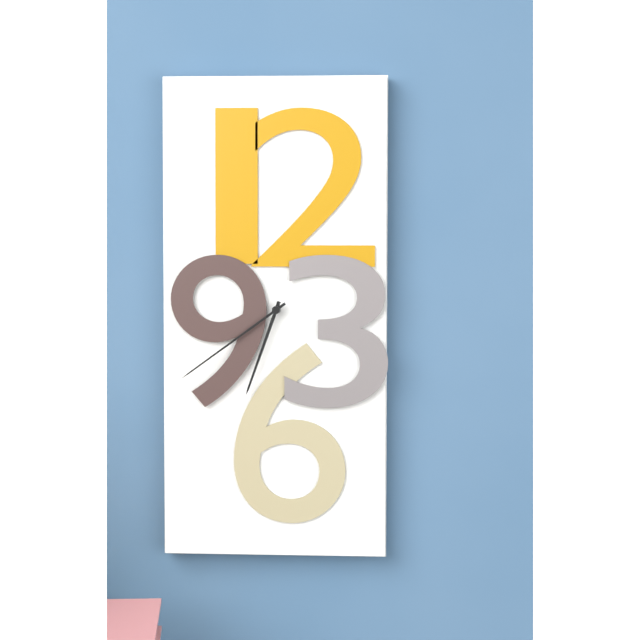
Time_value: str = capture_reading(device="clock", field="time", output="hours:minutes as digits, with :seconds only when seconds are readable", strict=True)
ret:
6:39
